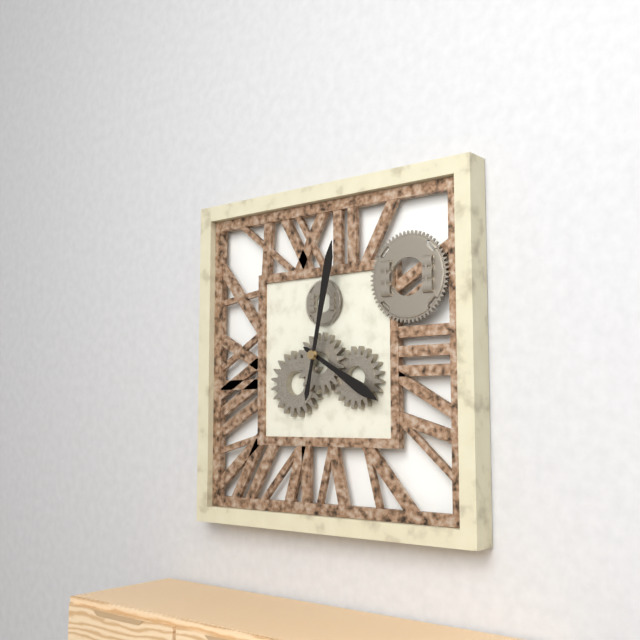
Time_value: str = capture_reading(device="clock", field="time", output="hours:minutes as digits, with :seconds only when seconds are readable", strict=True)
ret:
4:02
